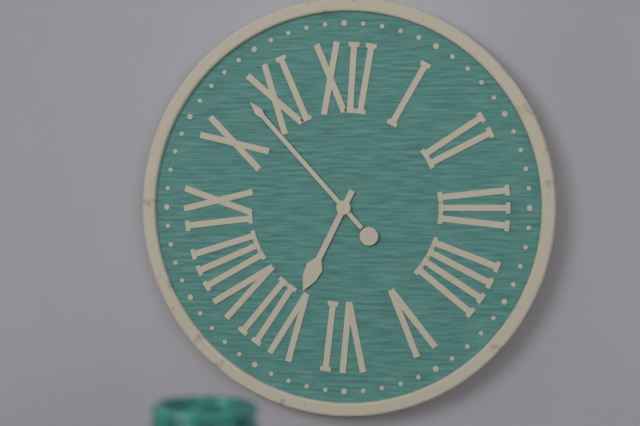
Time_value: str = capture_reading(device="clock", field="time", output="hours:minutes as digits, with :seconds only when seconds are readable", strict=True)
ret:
6:53
